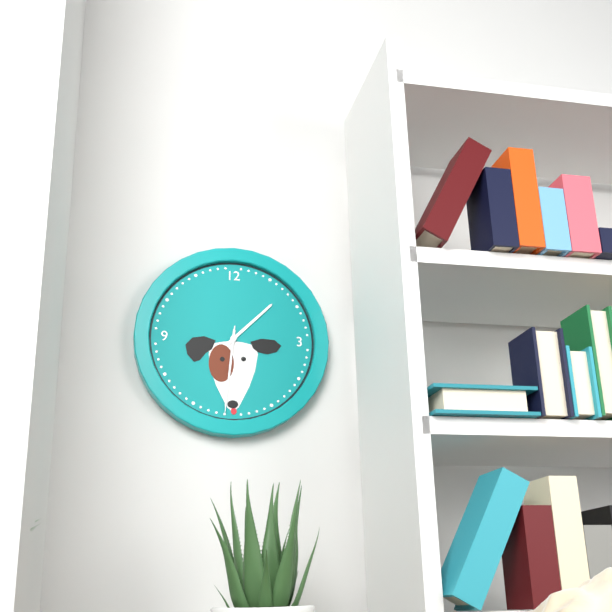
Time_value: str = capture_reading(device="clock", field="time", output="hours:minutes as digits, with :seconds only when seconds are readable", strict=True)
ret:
1:31:31
